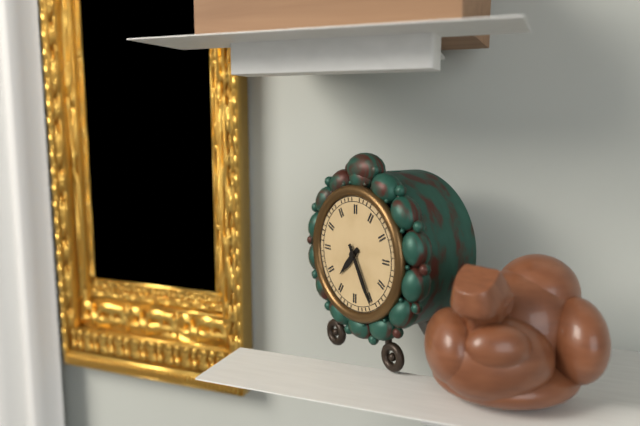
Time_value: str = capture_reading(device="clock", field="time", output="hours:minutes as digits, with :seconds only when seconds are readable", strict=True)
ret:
7:25
